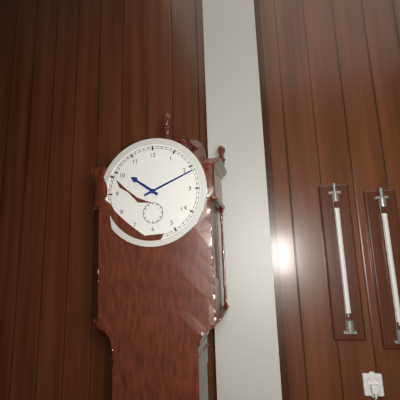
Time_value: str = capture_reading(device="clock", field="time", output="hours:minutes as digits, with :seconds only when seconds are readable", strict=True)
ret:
10:11
